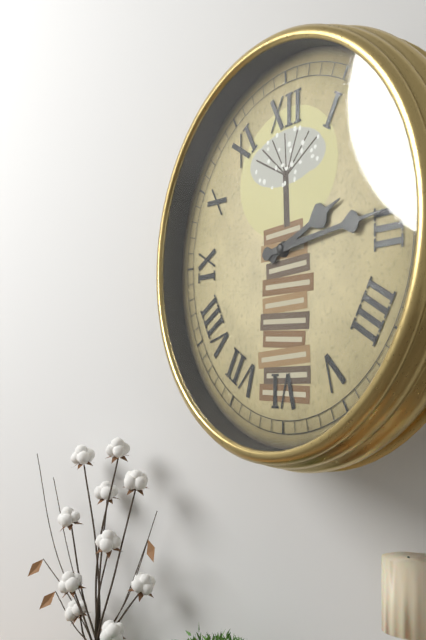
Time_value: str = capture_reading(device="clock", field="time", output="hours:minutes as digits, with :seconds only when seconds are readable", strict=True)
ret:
2:14
